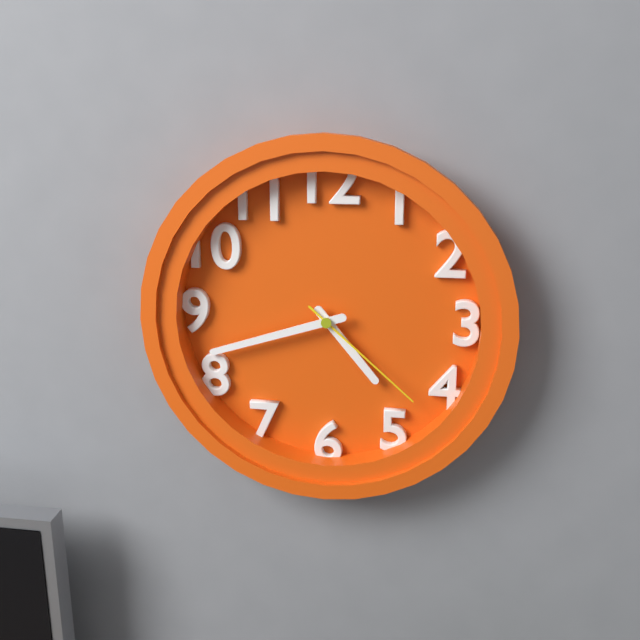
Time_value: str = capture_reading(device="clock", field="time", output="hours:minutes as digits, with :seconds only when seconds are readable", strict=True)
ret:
4:42:22
